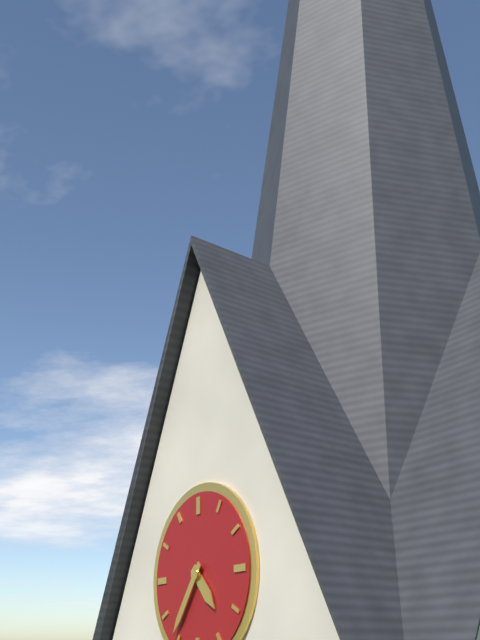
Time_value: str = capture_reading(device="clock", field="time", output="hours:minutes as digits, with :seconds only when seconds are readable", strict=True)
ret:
4:36
